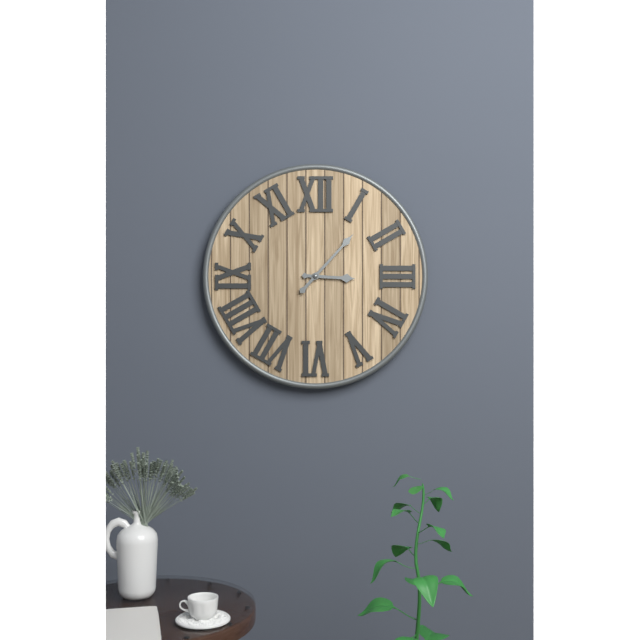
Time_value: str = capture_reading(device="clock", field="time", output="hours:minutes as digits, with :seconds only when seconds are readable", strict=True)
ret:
3:07
